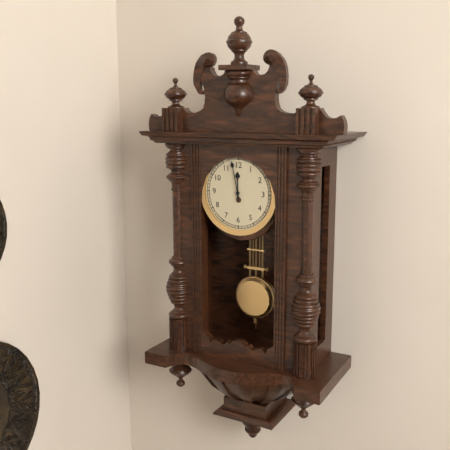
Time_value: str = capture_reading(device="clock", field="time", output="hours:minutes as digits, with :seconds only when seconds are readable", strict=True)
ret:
11:58
